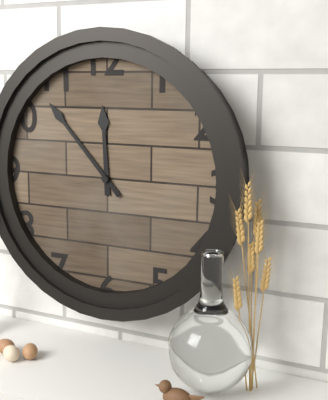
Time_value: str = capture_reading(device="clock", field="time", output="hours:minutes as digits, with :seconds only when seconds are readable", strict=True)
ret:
11:53
